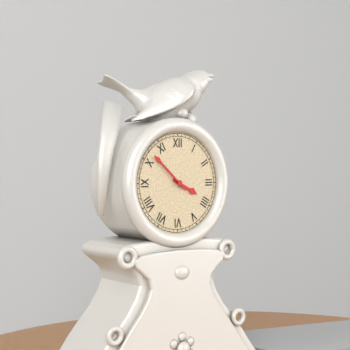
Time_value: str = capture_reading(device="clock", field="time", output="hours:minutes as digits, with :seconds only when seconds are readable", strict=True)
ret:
3:52
